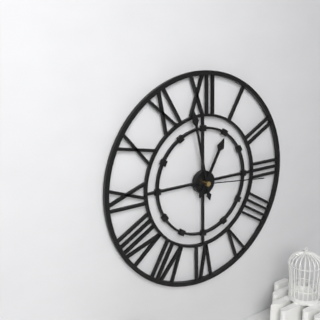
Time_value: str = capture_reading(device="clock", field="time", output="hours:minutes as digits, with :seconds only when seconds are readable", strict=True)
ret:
12:58:16
